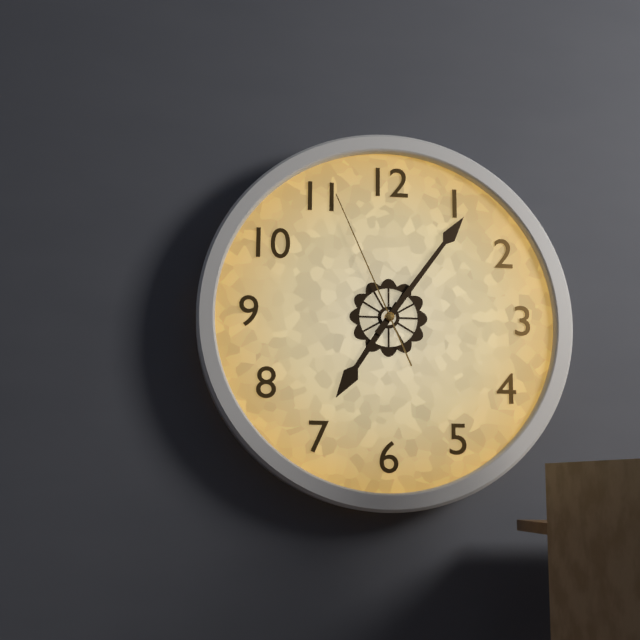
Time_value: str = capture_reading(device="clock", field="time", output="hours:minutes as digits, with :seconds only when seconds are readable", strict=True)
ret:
7:06:56
